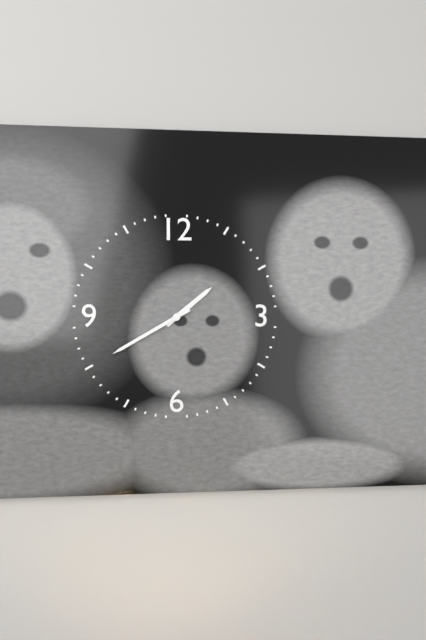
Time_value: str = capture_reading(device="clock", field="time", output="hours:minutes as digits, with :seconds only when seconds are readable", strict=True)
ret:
1:40
